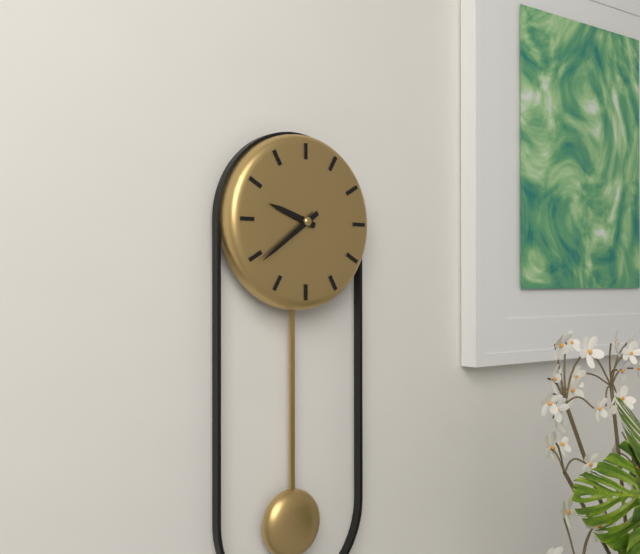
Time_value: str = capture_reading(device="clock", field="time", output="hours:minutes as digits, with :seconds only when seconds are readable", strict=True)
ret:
9:39
